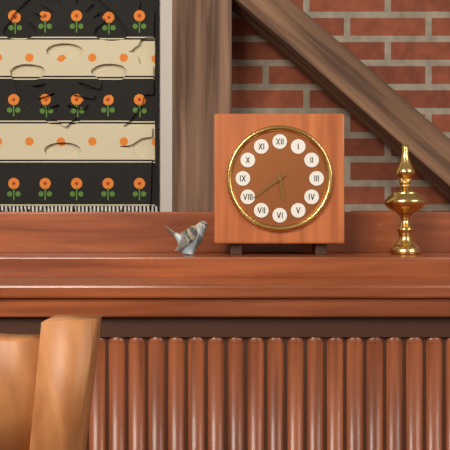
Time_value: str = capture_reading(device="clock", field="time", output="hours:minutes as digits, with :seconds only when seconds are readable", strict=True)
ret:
5:39
